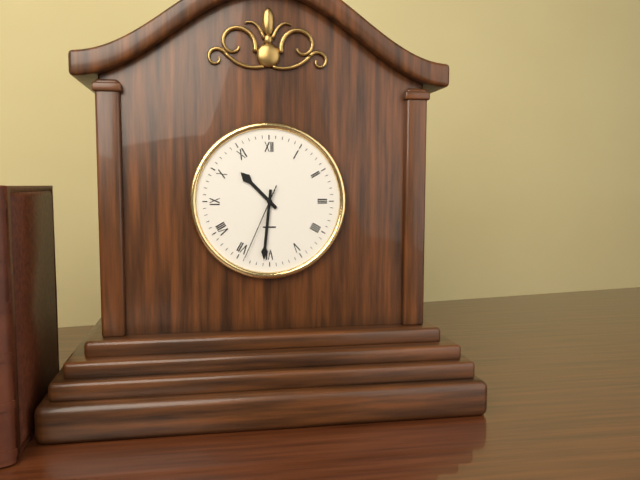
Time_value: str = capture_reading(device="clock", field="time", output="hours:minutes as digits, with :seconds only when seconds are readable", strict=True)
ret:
10:31:34
